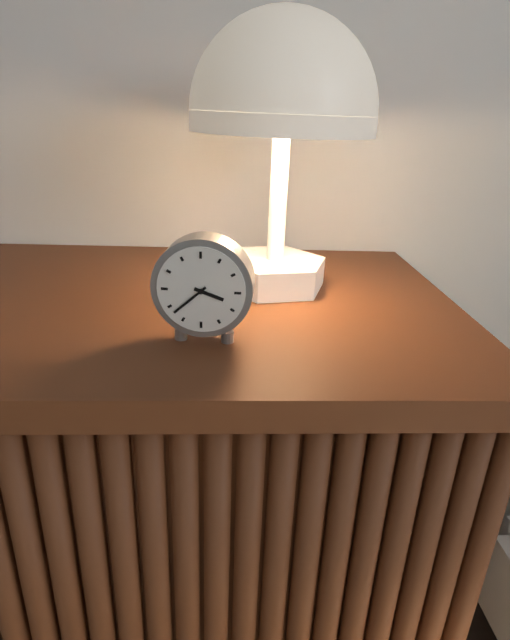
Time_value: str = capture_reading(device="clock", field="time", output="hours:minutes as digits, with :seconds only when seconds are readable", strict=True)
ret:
3:38
